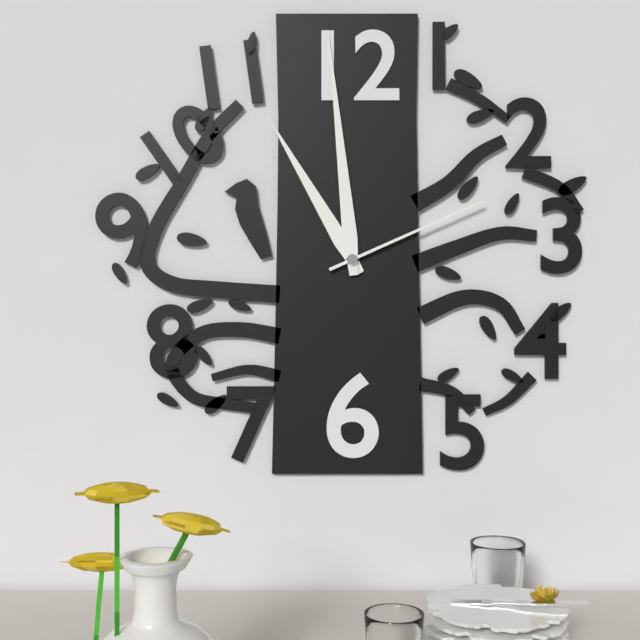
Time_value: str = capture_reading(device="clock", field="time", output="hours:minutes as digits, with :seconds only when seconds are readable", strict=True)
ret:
10:59:11
